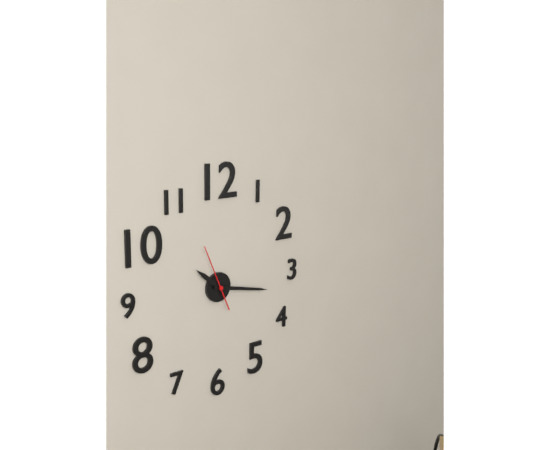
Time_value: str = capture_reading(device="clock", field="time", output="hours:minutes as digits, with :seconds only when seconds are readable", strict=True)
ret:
10:17:56
